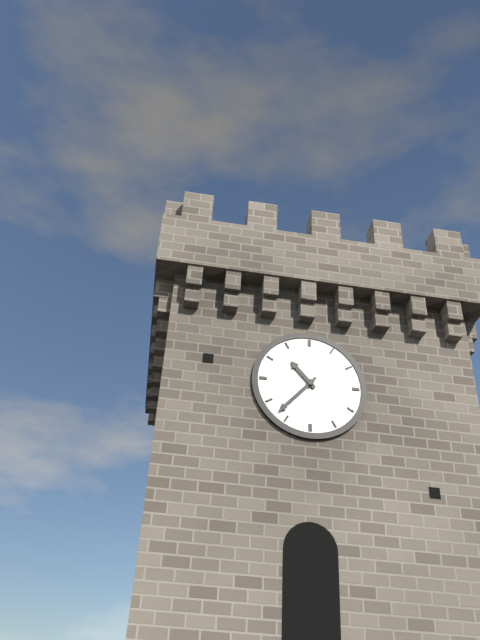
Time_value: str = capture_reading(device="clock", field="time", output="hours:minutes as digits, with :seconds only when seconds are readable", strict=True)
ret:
10:37
